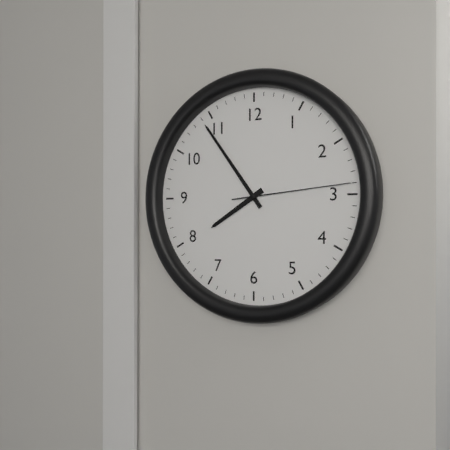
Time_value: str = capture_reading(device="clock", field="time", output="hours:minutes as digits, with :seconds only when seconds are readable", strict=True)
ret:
7:54:14
